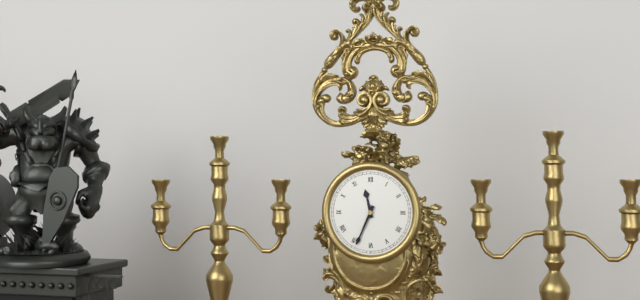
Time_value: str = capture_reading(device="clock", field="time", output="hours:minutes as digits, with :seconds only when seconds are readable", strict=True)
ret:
11:34
